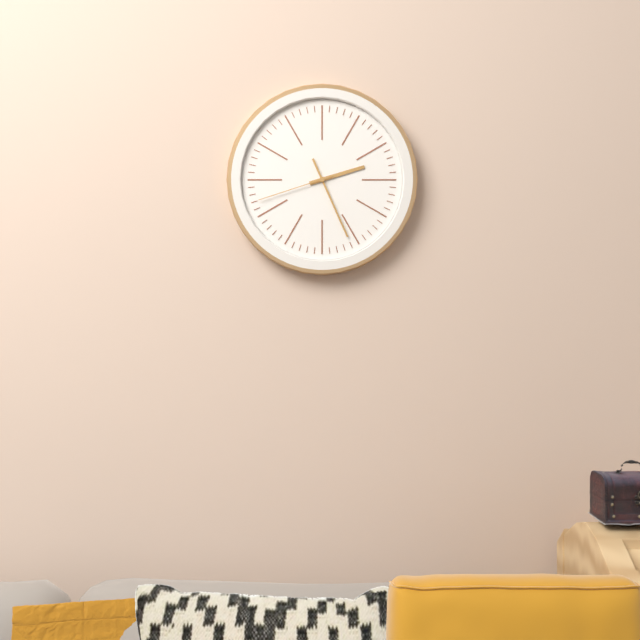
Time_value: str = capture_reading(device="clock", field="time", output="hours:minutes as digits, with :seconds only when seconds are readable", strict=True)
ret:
2:26:42
